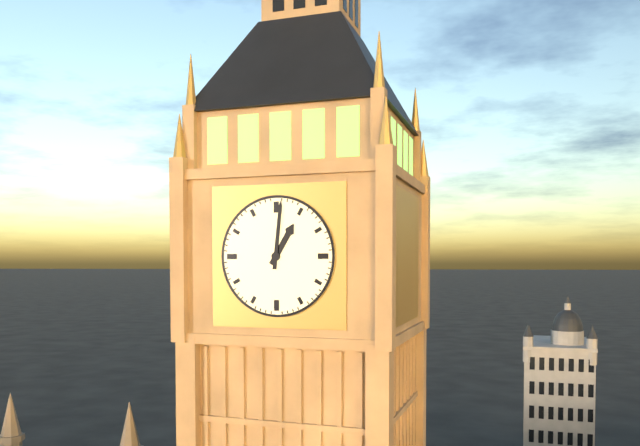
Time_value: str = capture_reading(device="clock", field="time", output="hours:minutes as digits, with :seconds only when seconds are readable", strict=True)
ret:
1:01
